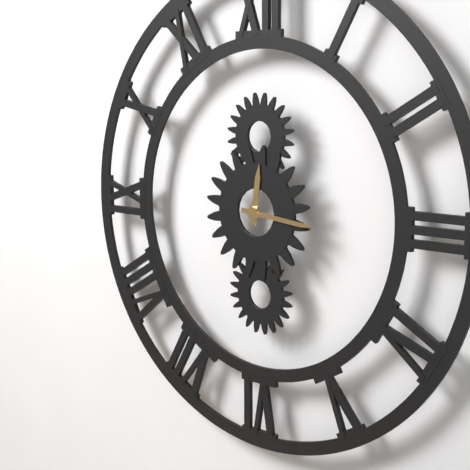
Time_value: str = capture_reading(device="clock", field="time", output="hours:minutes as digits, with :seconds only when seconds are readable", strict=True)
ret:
12:16
